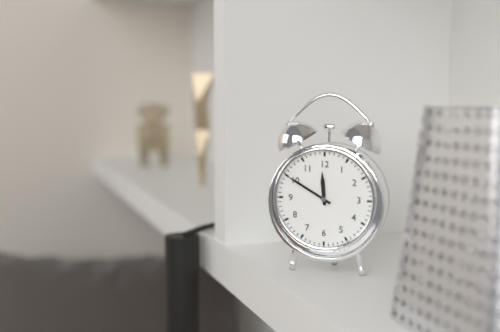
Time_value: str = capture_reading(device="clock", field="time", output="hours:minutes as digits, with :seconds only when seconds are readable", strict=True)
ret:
11:50
